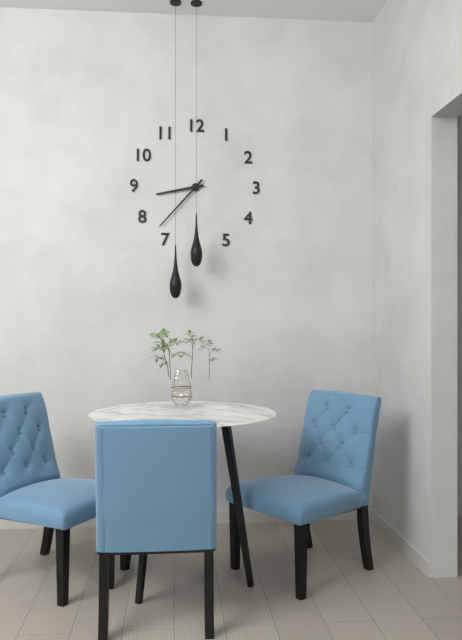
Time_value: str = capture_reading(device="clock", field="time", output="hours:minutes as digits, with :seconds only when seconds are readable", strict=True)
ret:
8:37
